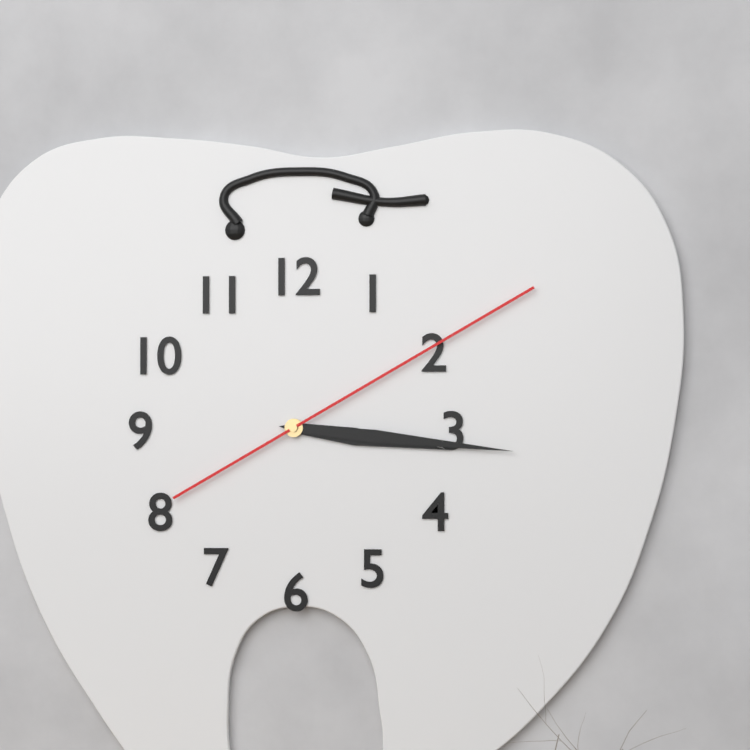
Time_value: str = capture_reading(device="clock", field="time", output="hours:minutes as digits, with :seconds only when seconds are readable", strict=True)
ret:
3:16:10
